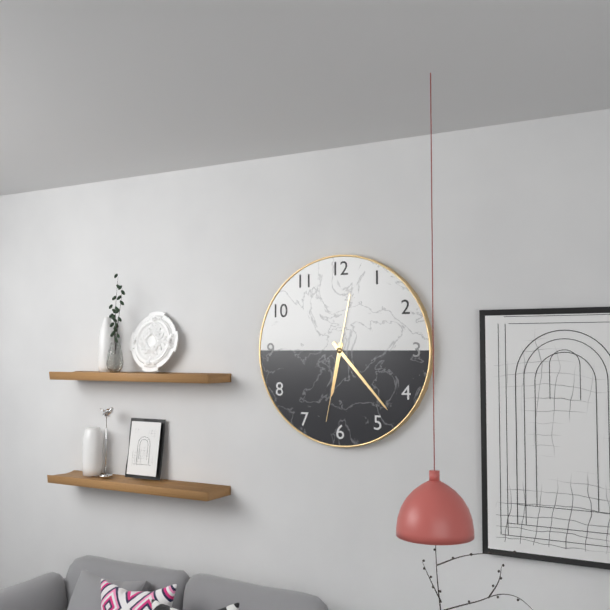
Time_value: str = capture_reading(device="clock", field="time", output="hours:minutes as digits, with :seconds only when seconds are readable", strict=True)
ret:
6:23:32
